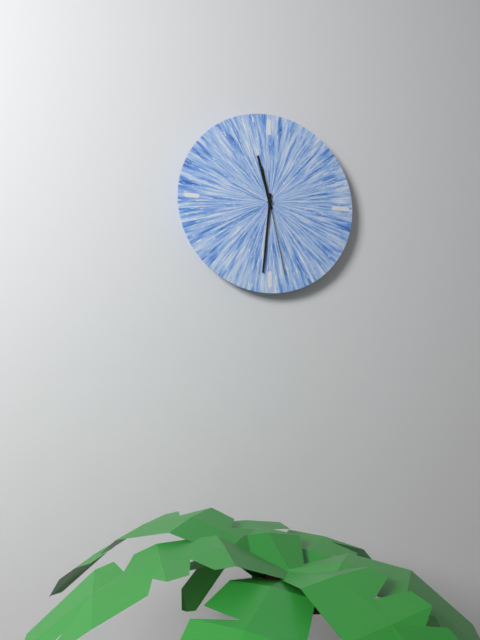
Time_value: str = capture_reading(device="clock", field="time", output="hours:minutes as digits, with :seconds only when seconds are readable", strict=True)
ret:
11:31:28
